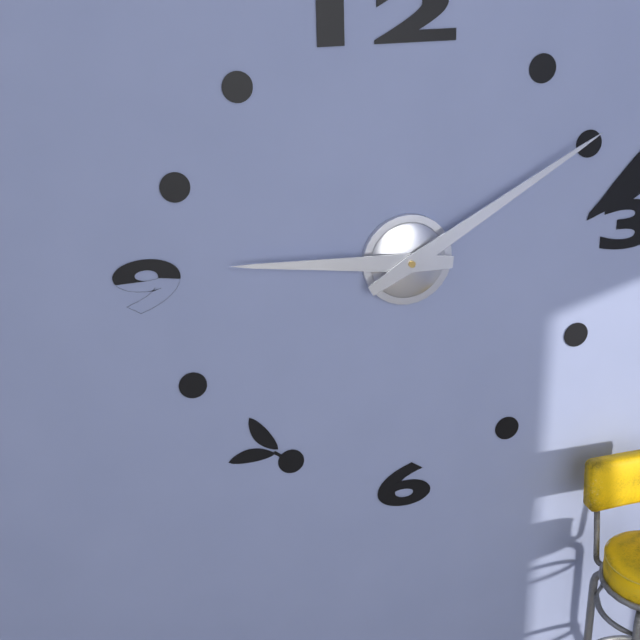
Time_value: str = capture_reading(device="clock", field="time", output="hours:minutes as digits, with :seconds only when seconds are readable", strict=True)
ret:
9:10
